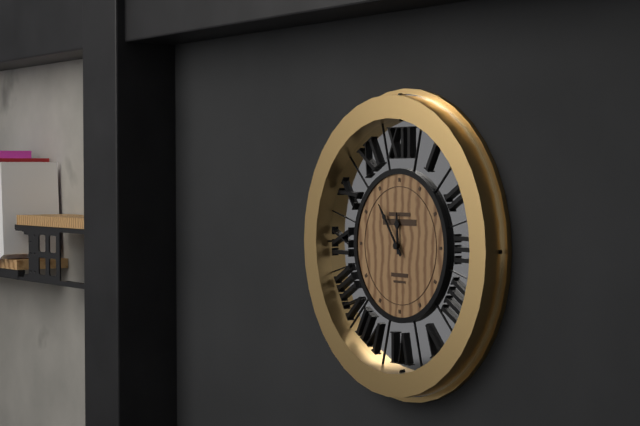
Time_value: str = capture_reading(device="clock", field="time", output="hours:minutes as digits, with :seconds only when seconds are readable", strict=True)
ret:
11:54
